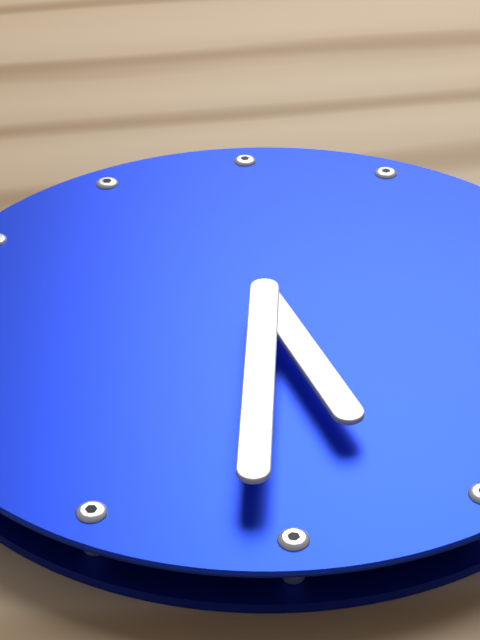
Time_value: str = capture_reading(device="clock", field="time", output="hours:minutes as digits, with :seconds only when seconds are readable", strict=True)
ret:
4:26
